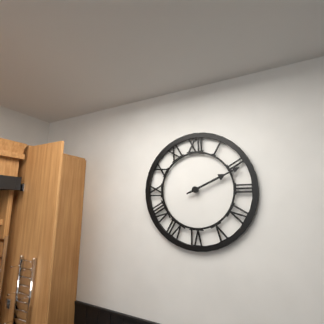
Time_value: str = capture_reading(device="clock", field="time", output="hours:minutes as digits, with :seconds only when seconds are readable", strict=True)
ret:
2:11
